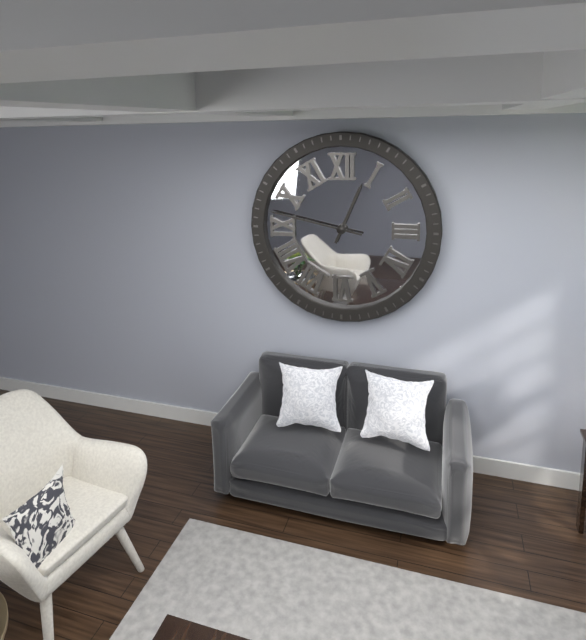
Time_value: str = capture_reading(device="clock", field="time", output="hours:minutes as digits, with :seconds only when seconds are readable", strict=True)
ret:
12:47
